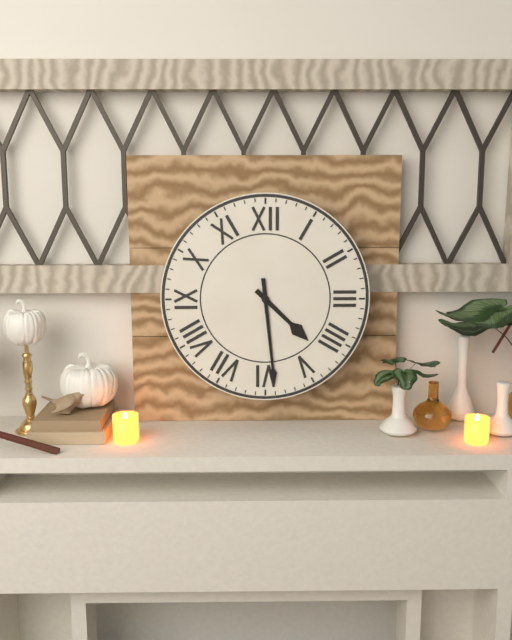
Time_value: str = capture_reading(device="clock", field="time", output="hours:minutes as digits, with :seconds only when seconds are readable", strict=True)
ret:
4:29
